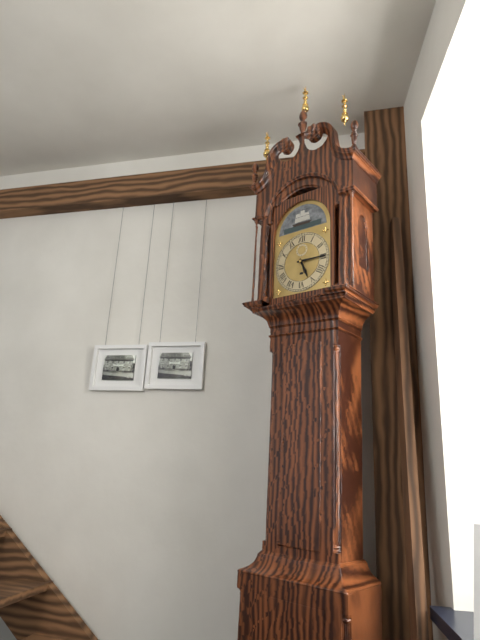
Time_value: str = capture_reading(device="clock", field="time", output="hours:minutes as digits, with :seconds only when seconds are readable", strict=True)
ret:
5:15
